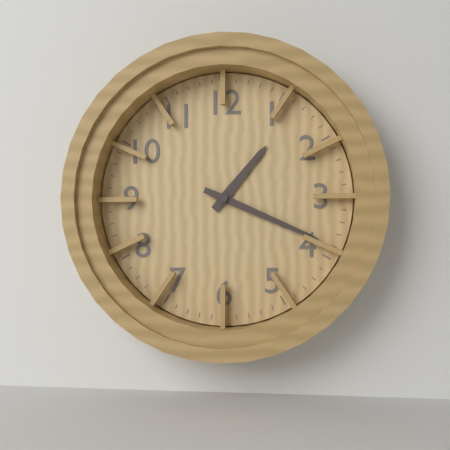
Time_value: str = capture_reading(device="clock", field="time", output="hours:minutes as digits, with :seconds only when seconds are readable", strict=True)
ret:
1:19
